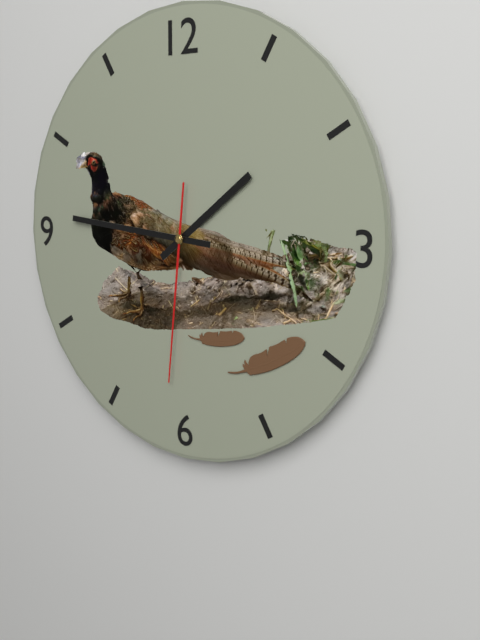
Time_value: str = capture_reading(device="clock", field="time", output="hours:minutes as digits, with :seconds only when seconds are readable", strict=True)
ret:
1:46:31
